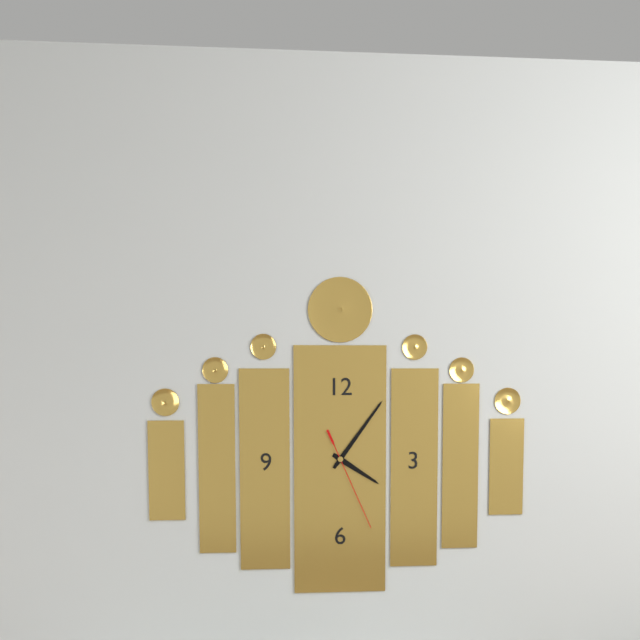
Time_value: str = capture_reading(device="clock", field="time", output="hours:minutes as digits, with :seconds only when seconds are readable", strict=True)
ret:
4:06:26
